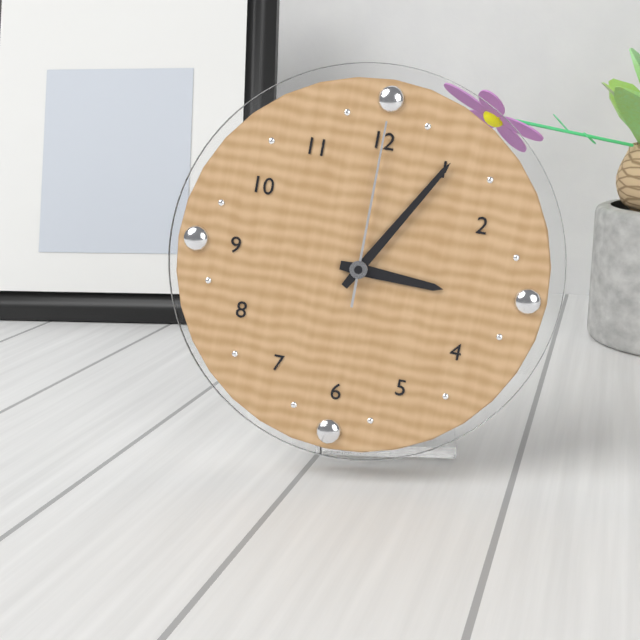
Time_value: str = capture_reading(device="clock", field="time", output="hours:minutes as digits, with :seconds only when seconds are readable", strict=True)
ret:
3:05:00
